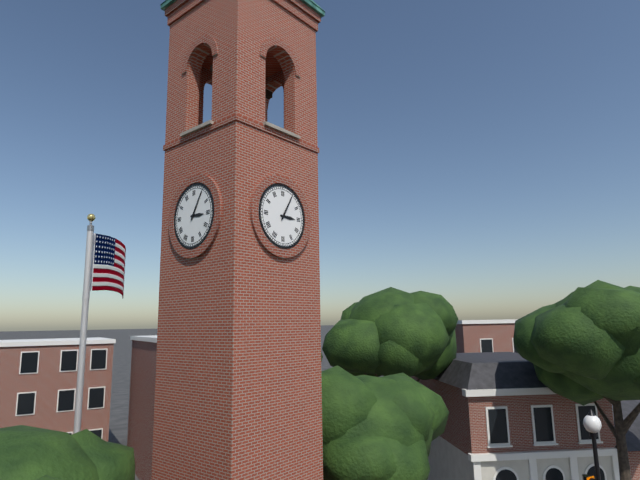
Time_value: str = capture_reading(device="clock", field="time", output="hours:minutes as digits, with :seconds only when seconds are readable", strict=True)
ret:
3:05
